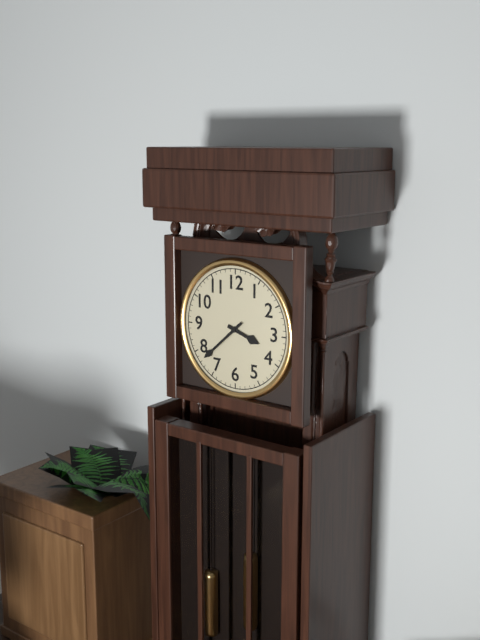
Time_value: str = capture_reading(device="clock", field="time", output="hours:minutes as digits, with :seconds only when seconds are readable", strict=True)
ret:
3:38
